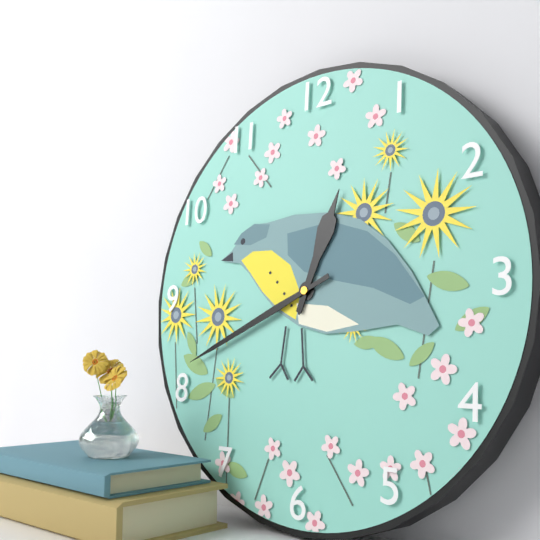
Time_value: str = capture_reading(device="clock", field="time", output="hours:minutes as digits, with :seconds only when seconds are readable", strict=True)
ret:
12:41
